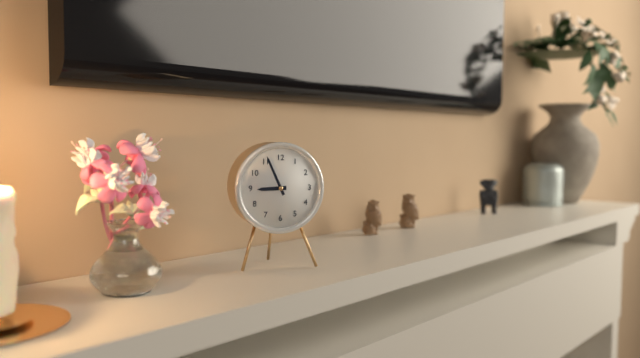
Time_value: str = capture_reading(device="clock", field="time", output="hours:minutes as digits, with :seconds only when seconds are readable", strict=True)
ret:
8:56
